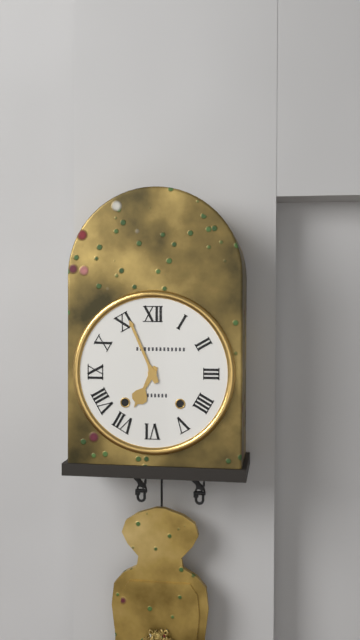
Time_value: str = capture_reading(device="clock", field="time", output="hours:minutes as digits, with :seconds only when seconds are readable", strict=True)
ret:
6:56
